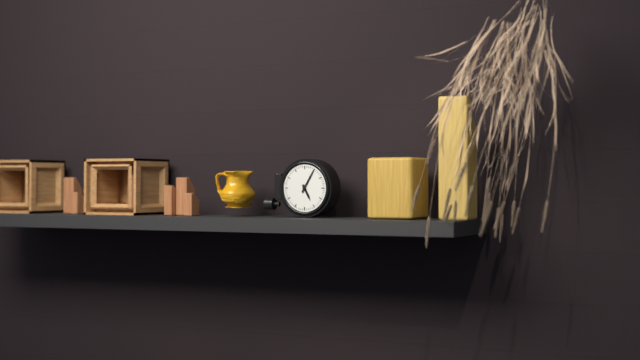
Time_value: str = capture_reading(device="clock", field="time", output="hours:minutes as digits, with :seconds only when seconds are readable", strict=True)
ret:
5:05
